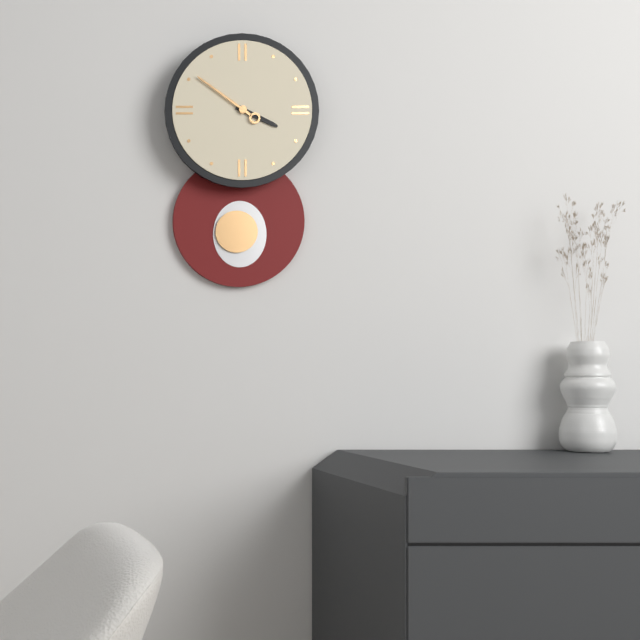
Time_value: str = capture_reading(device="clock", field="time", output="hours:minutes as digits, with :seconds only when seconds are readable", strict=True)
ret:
3:51
